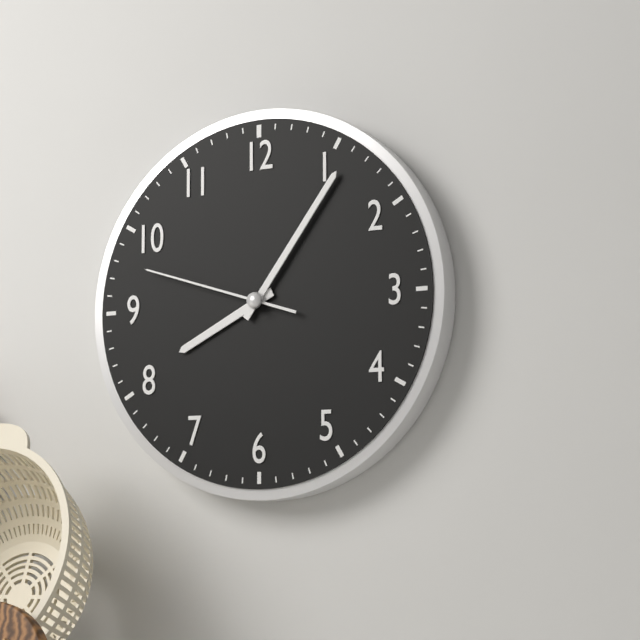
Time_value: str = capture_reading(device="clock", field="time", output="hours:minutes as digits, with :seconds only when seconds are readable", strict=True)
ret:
8:06:48
